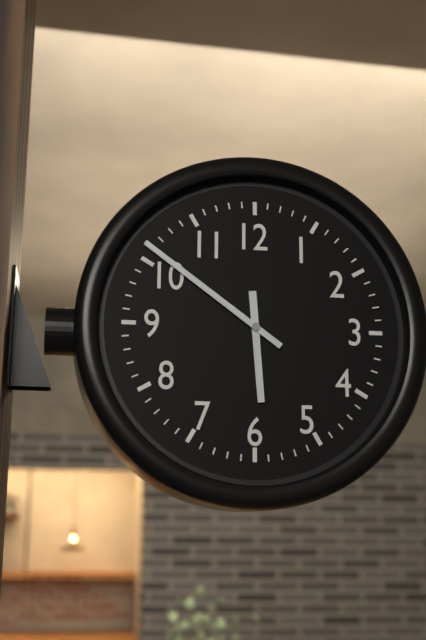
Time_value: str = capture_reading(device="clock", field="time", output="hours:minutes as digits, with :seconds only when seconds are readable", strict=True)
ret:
5:51
